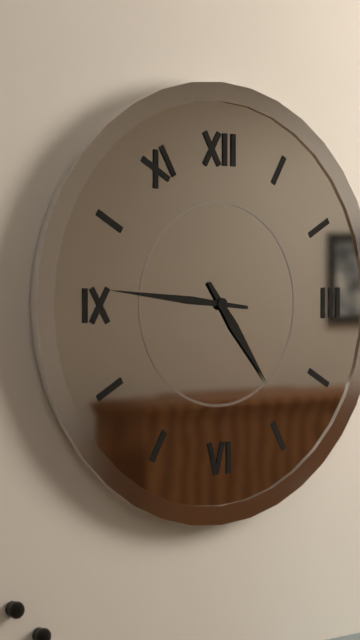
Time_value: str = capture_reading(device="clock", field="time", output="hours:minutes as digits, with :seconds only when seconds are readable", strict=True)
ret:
4:46
